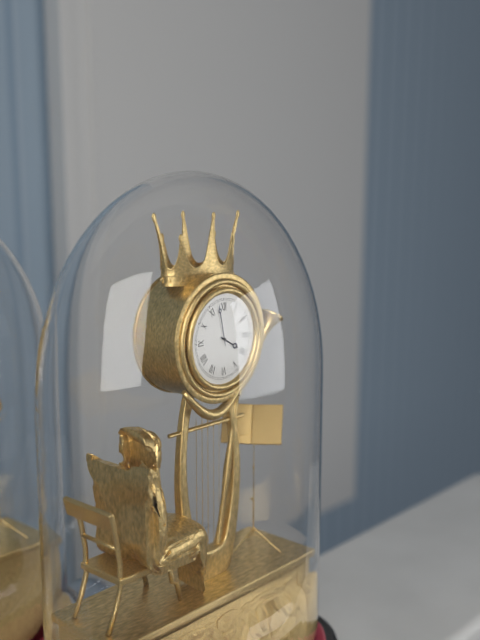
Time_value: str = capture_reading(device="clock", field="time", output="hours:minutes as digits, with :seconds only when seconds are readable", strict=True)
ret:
3:58
